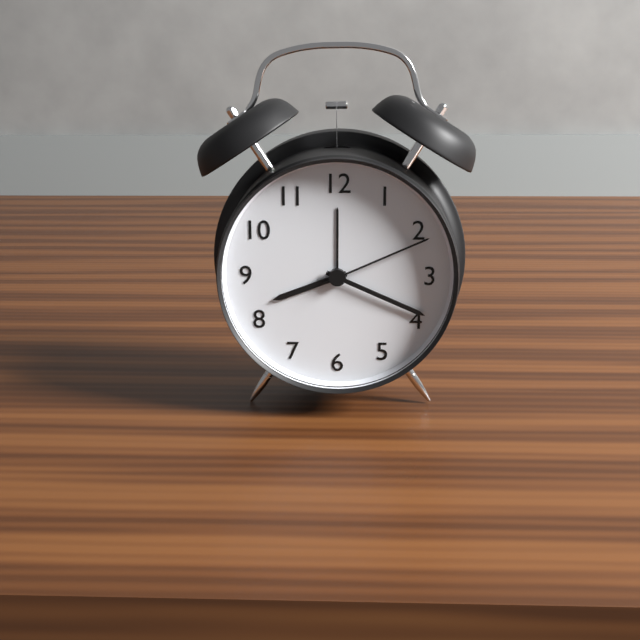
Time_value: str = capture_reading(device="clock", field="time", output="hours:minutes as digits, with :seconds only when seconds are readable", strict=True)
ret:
8:19:11
